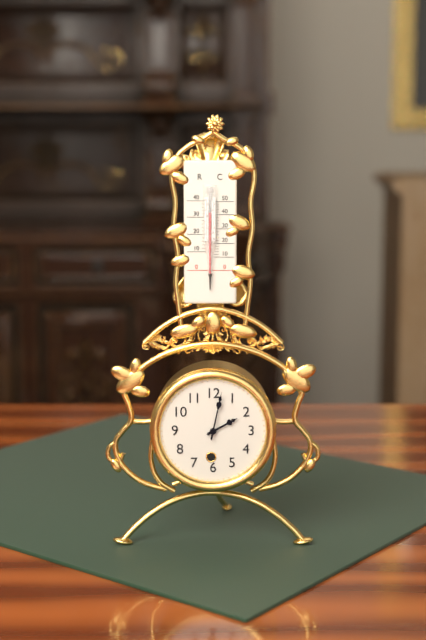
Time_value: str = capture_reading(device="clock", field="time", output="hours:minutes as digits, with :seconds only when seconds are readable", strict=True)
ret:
2:02
